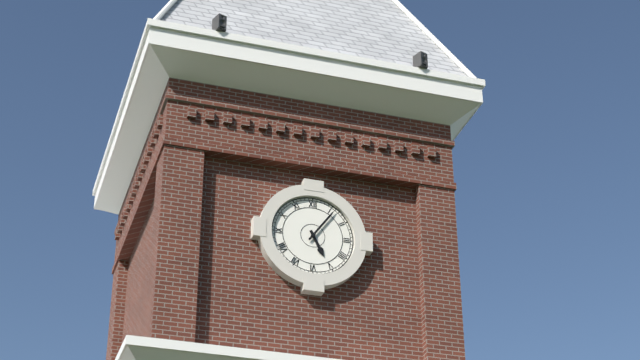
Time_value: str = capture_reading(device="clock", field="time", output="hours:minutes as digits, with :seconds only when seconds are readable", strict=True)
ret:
5:06
